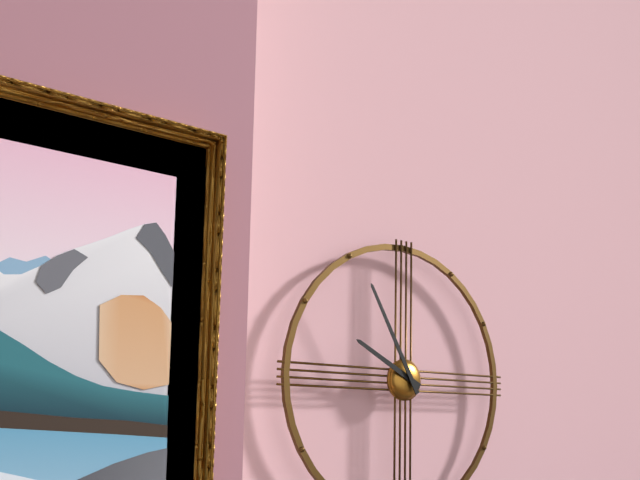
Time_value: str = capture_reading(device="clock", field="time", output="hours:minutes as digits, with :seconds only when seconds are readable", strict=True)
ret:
9:55
